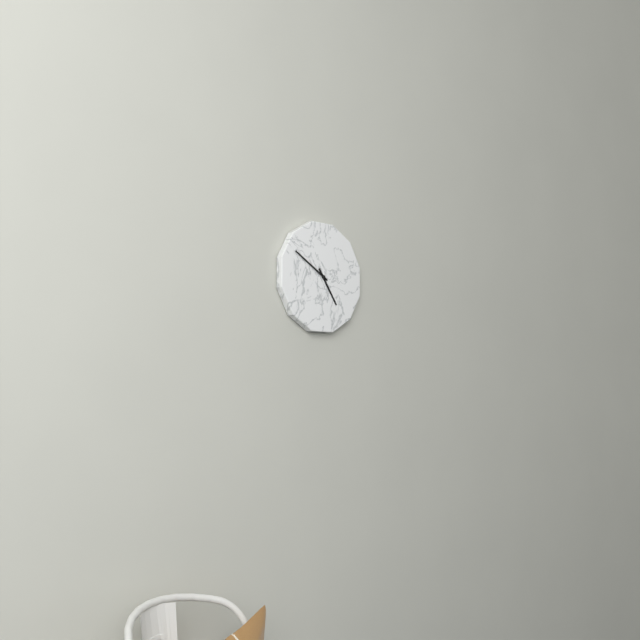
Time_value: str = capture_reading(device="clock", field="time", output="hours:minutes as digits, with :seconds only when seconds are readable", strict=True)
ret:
4:50
